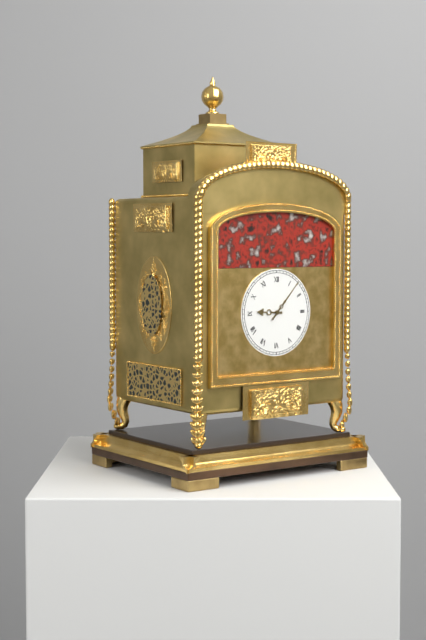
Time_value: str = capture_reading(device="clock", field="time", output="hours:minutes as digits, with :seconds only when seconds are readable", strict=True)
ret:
9:07
